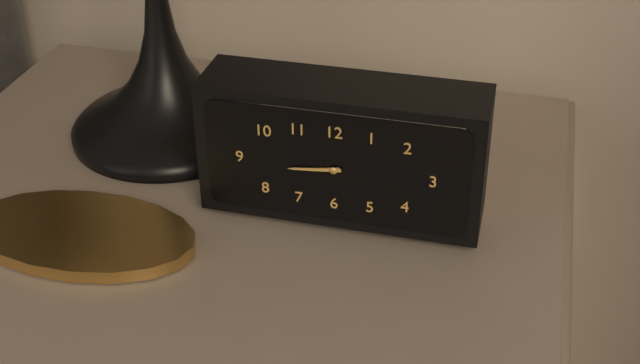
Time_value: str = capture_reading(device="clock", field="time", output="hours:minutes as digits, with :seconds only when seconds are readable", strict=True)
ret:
8:44
